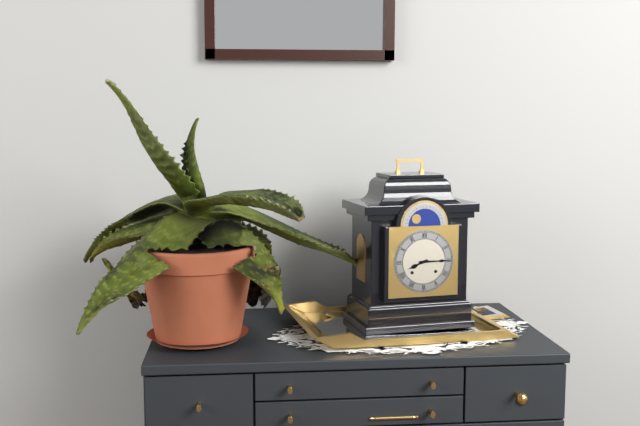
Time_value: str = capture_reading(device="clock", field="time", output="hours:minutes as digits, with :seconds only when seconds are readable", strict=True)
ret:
8:15
